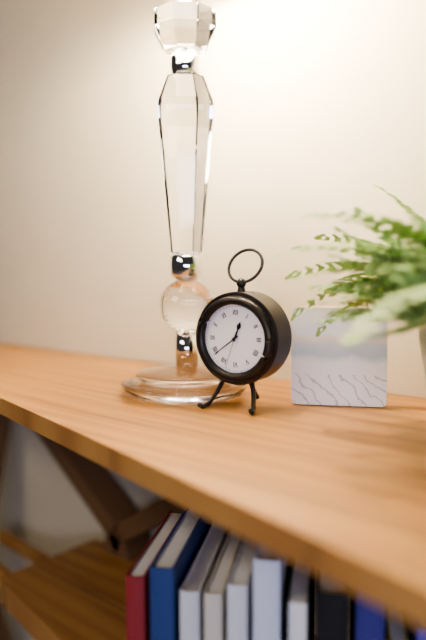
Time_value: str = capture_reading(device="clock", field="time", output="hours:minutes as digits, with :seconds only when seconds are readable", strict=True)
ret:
12:39
